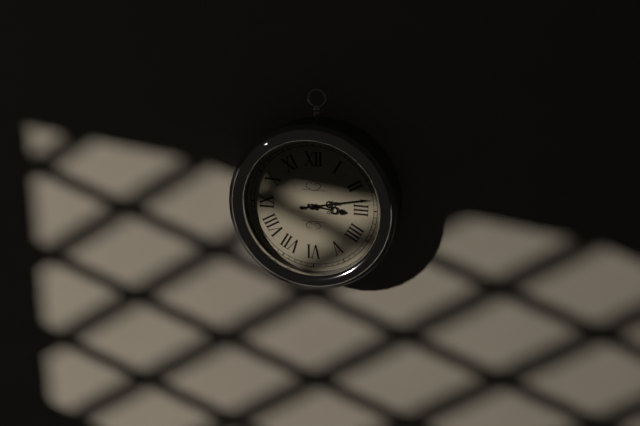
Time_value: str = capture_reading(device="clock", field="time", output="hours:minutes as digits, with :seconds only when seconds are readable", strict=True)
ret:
3:13
